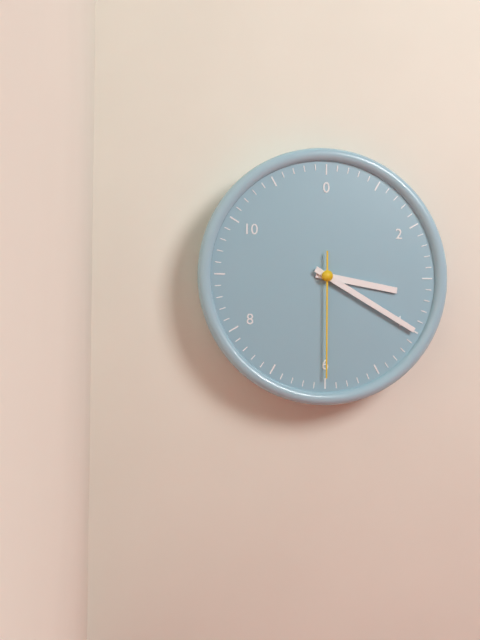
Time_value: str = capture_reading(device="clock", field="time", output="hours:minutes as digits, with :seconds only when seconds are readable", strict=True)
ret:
3:20:30
